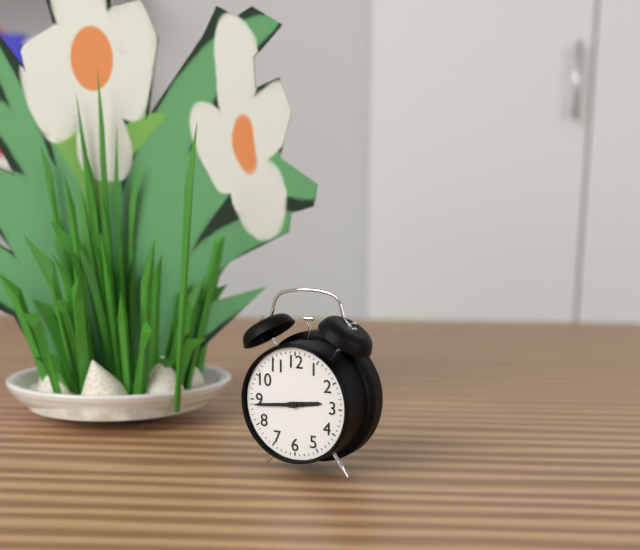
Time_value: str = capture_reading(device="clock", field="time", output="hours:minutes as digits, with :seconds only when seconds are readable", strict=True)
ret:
2:44
